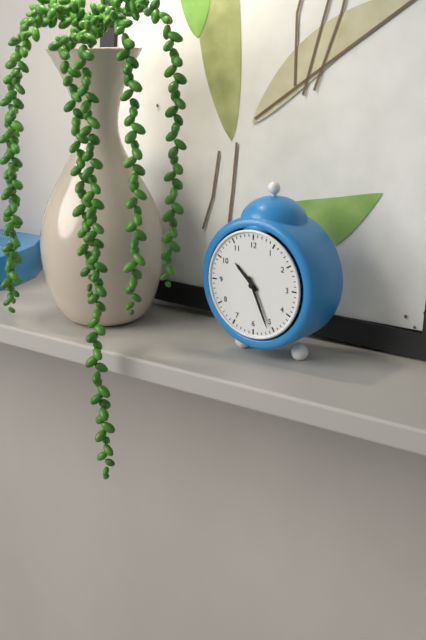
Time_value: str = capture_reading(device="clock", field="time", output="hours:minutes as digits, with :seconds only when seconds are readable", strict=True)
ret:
10:26
